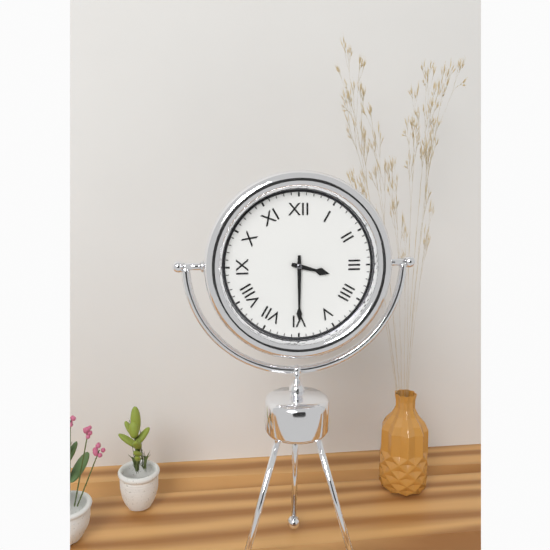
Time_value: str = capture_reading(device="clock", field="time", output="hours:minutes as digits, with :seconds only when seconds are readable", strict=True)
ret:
3:30
